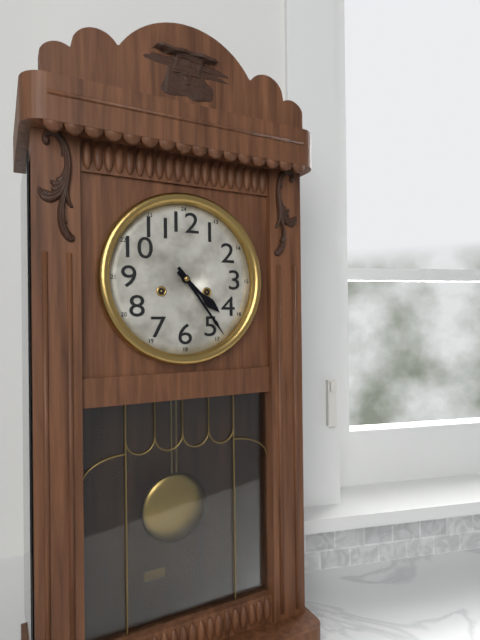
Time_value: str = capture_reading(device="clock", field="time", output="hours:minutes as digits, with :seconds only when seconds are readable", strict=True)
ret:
4:24
